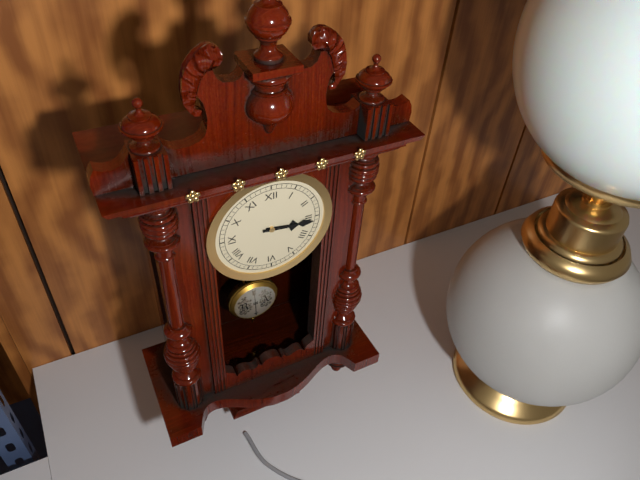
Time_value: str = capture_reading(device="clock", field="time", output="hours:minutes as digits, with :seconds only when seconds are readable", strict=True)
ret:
3:16
